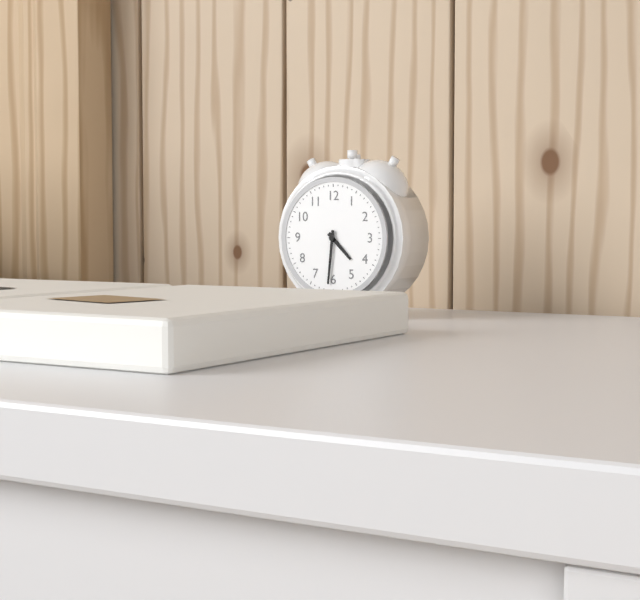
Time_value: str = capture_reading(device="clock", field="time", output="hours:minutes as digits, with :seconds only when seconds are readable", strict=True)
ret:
4:31
